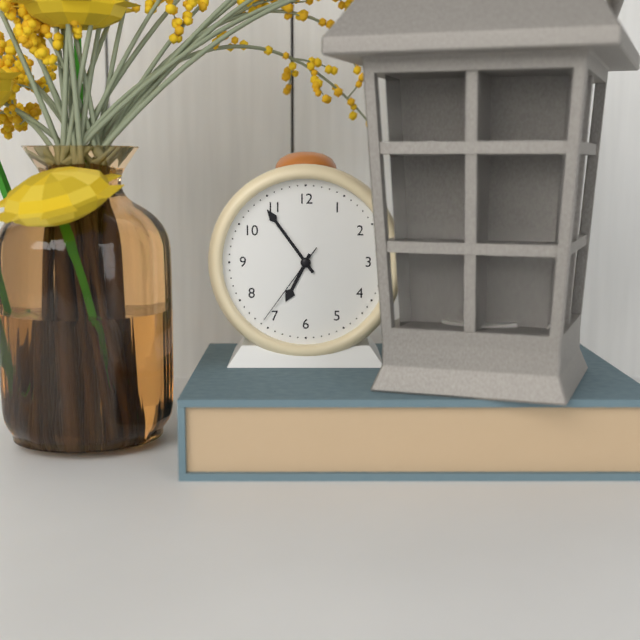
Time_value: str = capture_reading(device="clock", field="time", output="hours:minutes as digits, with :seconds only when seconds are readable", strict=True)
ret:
6:54:36
